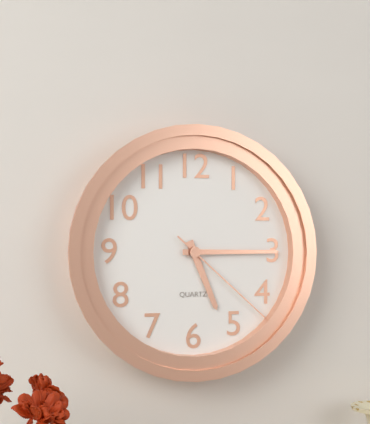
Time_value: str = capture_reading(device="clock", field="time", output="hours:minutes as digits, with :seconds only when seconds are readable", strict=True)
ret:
5:15:22
